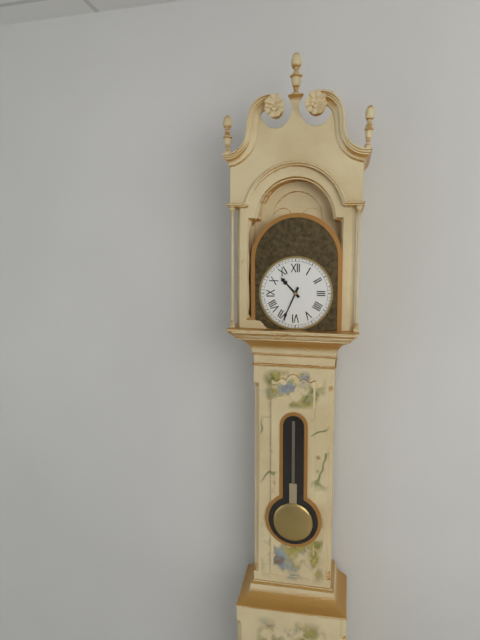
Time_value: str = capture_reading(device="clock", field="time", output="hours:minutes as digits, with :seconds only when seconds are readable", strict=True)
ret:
10:34
